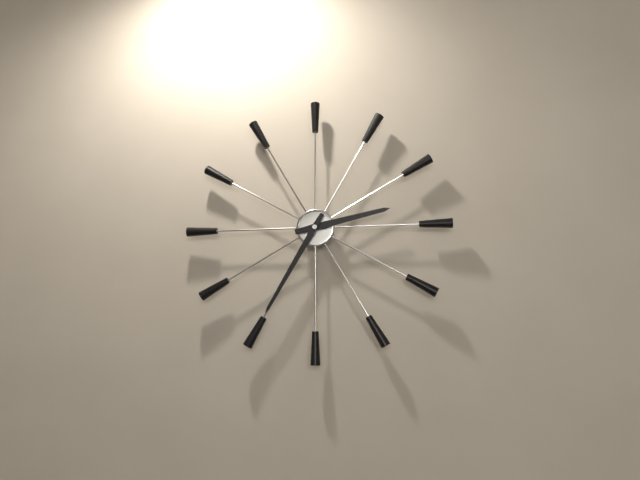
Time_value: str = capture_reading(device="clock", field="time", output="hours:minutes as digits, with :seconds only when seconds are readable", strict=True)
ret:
2:35
